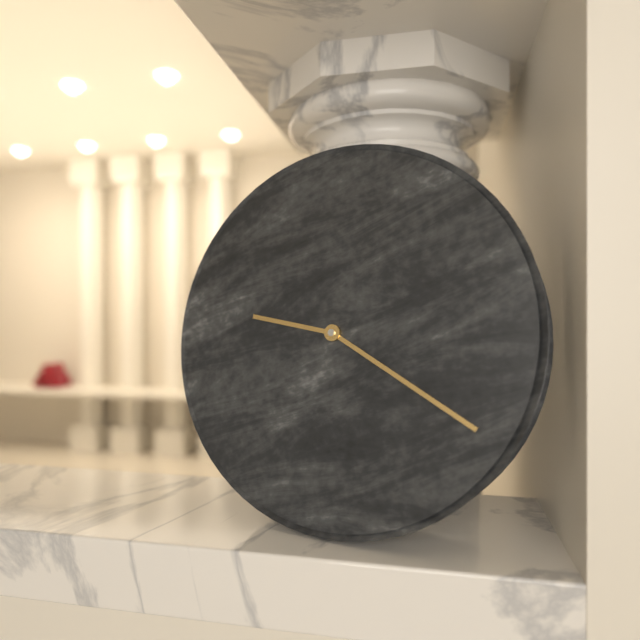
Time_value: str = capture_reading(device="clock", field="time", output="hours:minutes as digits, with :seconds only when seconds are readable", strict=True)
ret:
9:20
